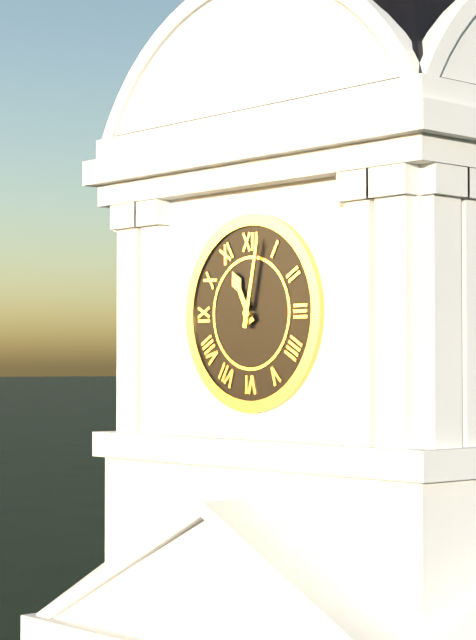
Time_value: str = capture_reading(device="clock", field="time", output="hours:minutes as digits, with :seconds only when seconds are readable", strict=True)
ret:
11:02
